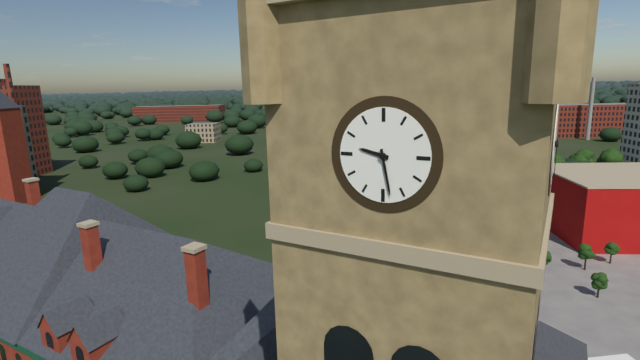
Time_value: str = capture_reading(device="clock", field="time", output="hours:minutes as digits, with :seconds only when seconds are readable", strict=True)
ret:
9:28
